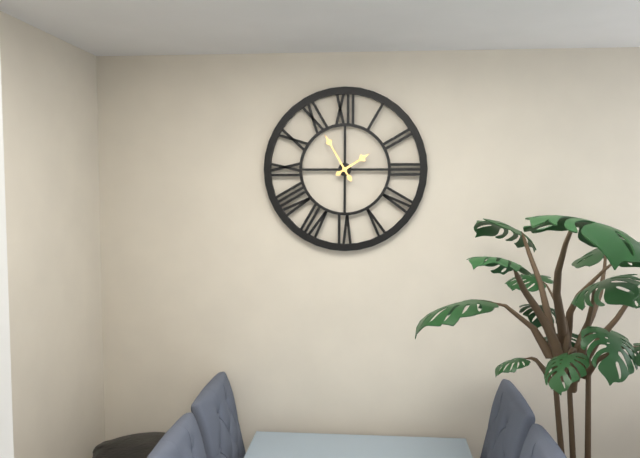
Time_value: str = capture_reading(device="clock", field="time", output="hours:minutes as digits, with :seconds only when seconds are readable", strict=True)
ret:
1:55
